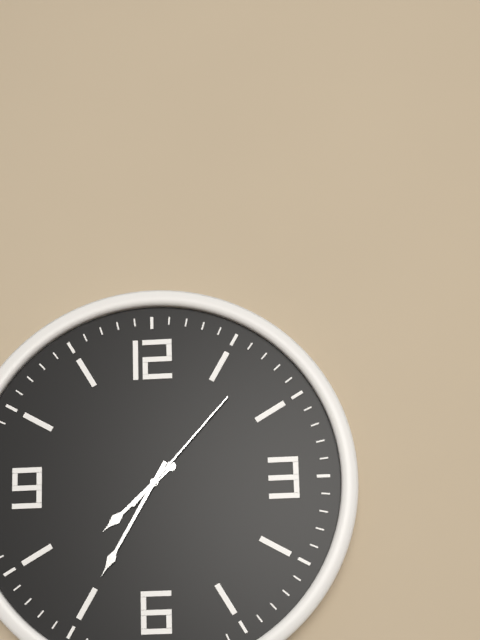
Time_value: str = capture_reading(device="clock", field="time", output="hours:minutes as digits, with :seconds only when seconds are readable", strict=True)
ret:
7:35:07
